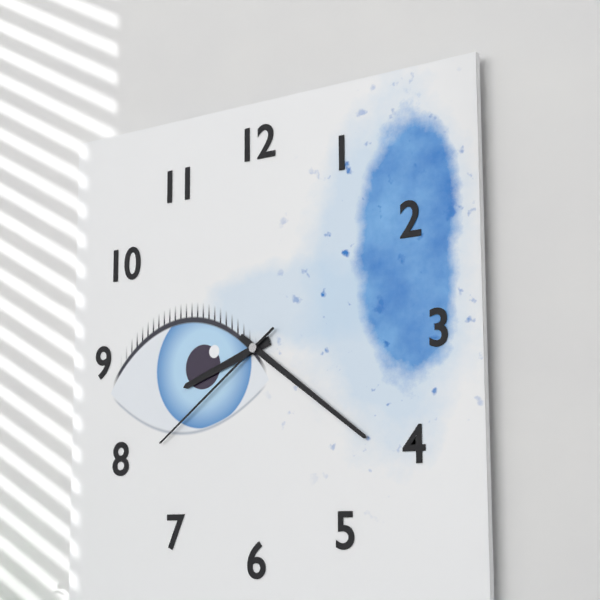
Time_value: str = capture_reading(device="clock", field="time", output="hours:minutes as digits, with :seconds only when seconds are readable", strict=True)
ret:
8:21:39
